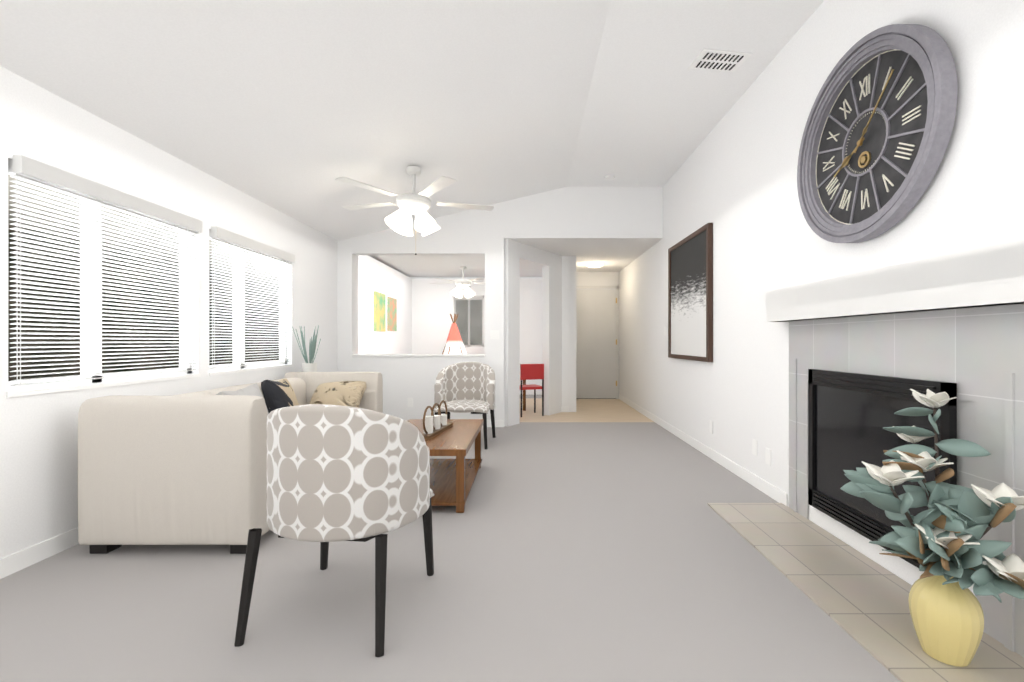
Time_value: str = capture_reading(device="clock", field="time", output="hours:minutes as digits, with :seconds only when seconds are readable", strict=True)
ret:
8:07
